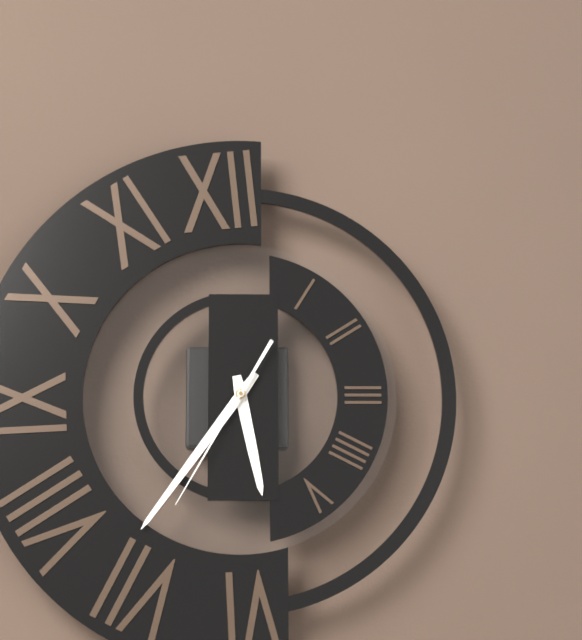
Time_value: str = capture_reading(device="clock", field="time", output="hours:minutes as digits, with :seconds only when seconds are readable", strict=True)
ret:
5:36:35
